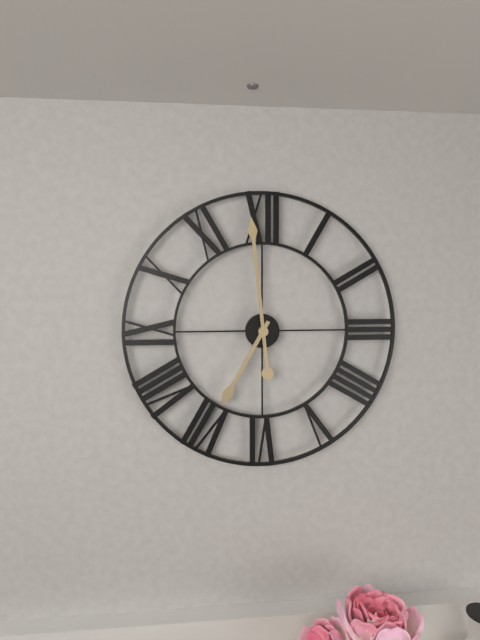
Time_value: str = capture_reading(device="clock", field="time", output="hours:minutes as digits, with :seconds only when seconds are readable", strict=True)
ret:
6:59
